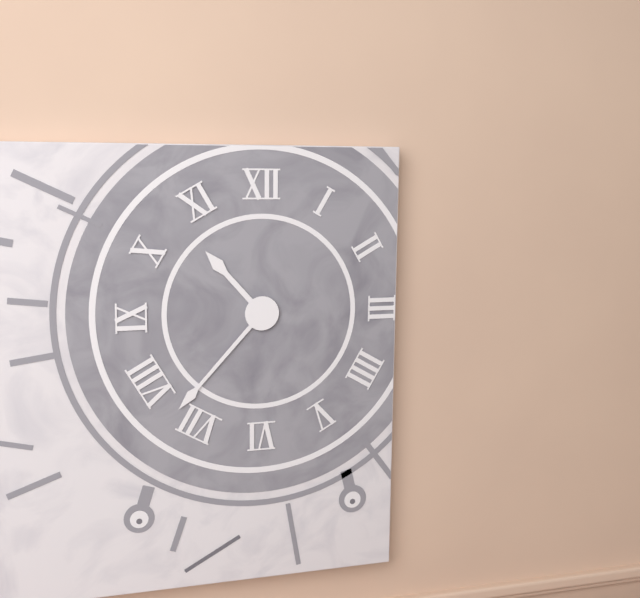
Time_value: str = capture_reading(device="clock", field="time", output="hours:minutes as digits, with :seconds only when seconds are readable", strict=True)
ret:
10:37
